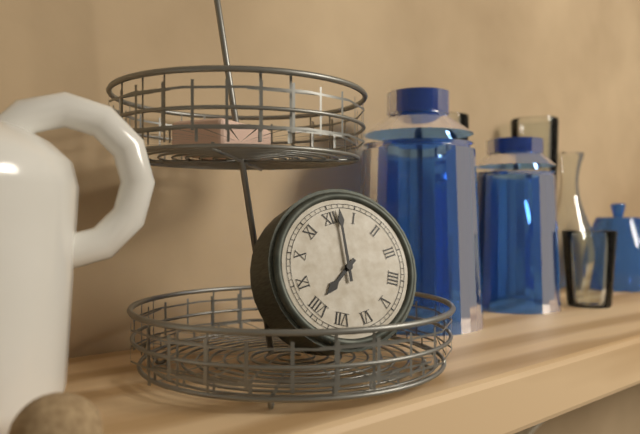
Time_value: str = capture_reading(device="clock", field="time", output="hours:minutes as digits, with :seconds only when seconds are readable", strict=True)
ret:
8:02
